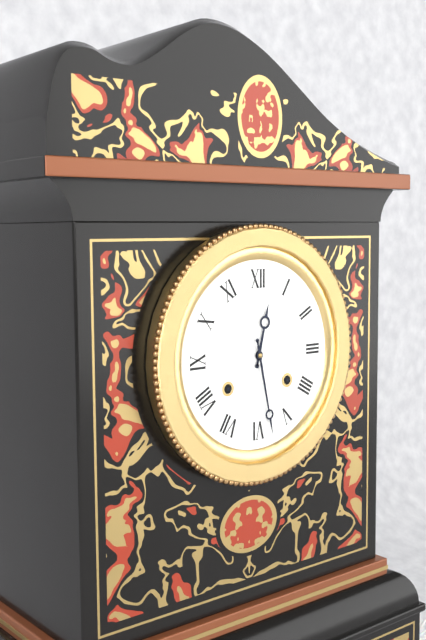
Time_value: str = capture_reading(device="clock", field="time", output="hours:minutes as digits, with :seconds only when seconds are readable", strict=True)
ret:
12:28
